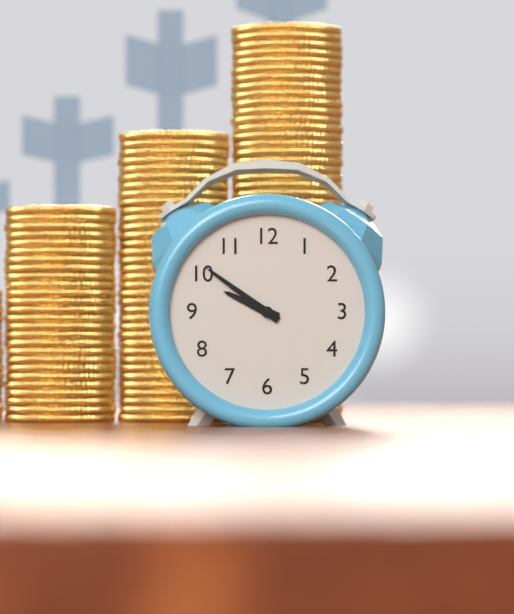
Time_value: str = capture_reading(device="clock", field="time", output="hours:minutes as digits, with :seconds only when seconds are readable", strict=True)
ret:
9:51
